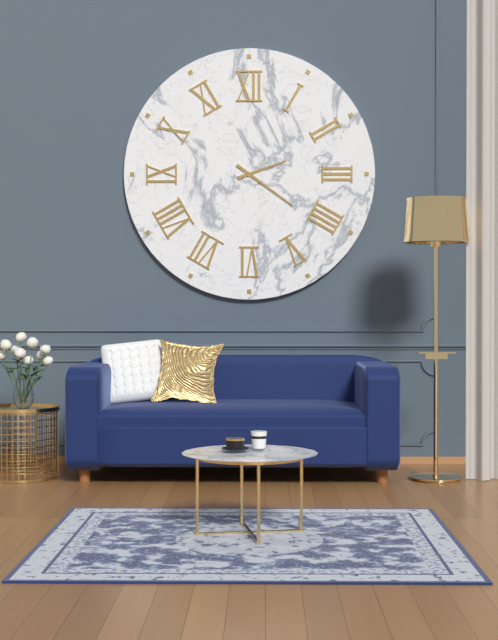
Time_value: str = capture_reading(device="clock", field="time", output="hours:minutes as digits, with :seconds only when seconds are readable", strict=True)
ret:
2:21
